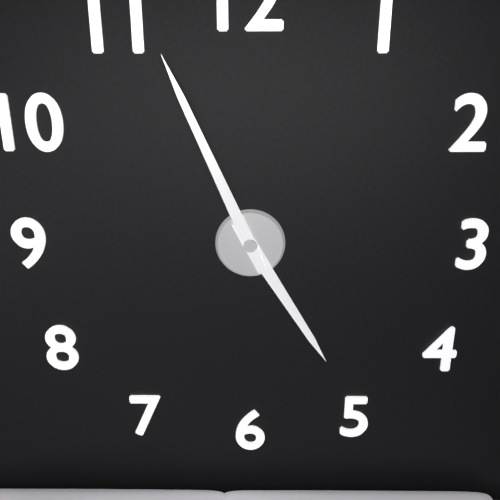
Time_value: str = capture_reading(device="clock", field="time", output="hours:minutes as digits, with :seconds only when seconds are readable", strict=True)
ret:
4:56
